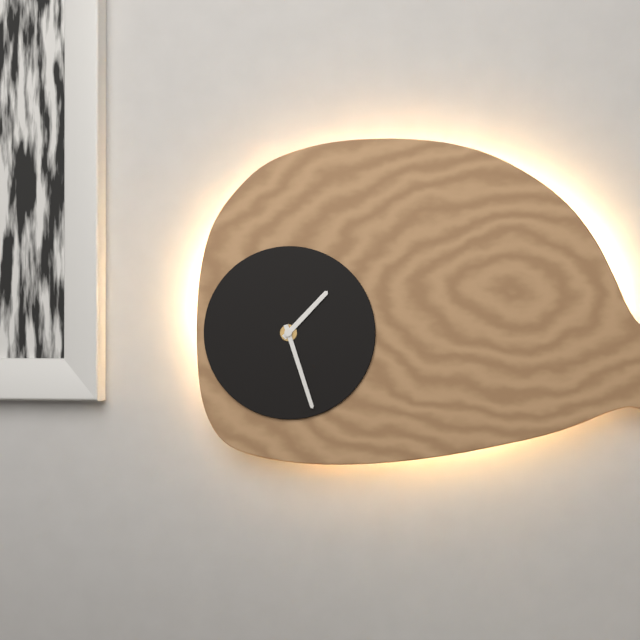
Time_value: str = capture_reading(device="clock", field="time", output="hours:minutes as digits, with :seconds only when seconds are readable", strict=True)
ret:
1:27
